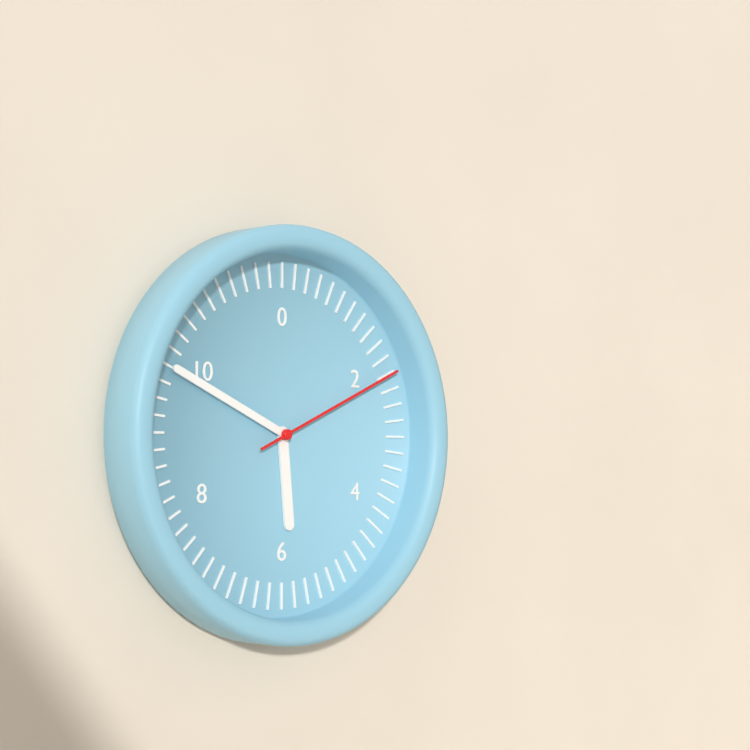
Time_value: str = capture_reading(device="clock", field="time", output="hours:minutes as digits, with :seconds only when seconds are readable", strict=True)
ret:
5:49:11
